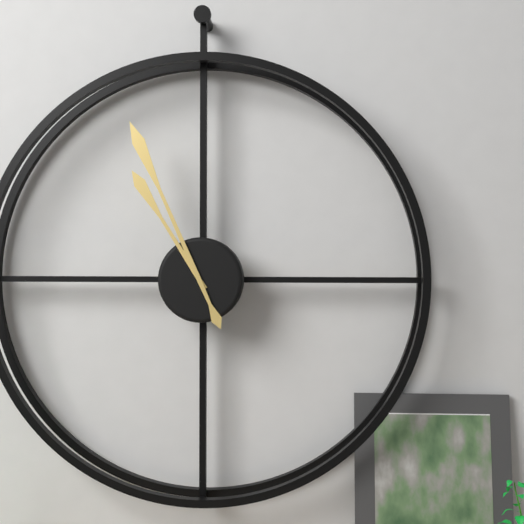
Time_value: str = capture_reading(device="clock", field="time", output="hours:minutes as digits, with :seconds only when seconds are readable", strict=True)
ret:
10:56
